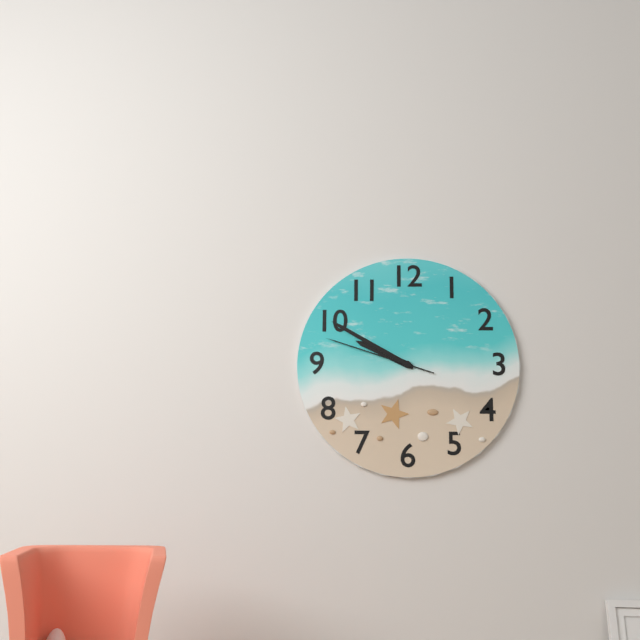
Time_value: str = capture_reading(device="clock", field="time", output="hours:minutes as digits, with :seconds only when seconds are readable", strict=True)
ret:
9:50:48
